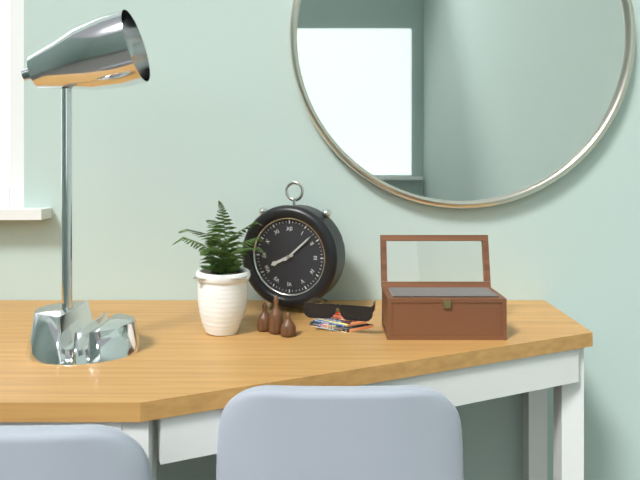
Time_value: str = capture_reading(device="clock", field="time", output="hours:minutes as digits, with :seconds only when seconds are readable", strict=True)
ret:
8:08
